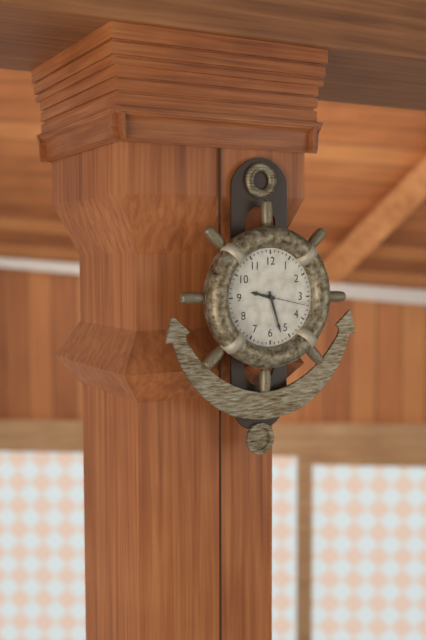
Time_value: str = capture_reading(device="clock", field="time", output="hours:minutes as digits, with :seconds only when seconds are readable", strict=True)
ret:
9:27
